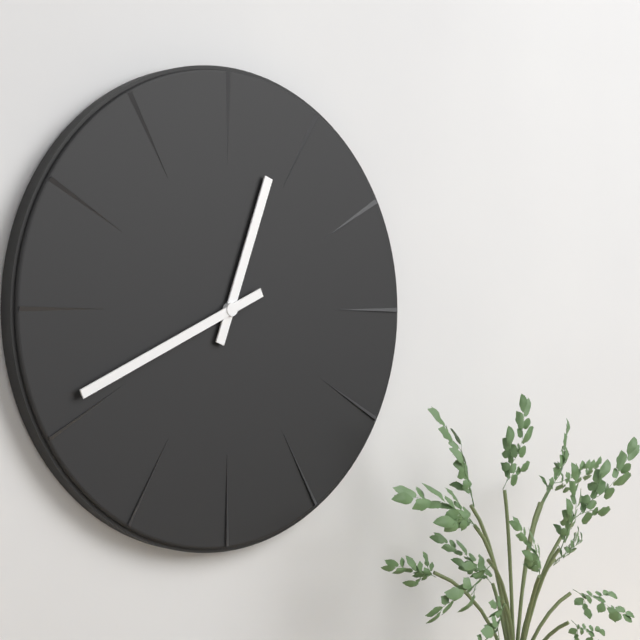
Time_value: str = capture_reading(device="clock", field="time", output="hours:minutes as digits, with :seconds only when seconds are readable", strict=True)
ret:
12:41
